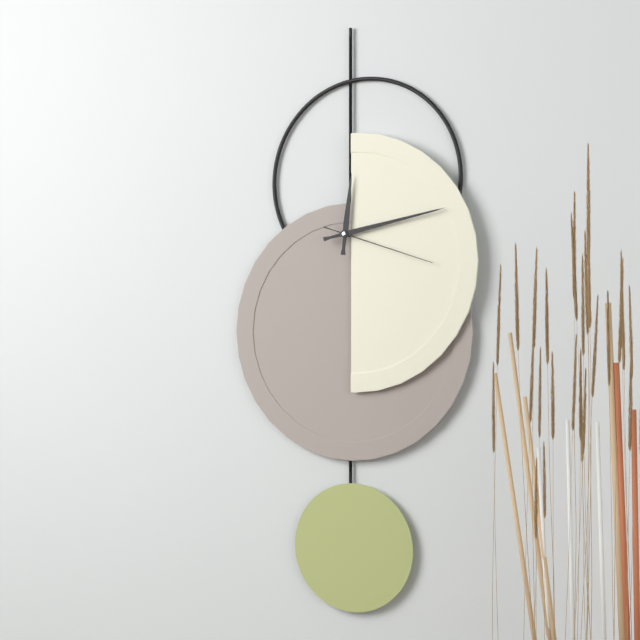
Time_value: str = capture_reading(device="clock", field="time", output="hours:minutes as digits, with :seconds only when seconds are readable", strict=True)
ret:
12:13:18
